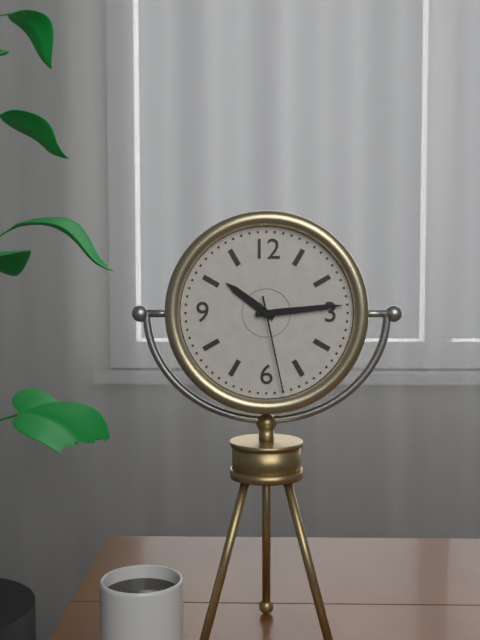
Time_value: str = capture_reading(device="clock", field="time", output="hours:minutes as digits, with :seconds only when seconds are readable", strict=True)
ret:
10:14:28
